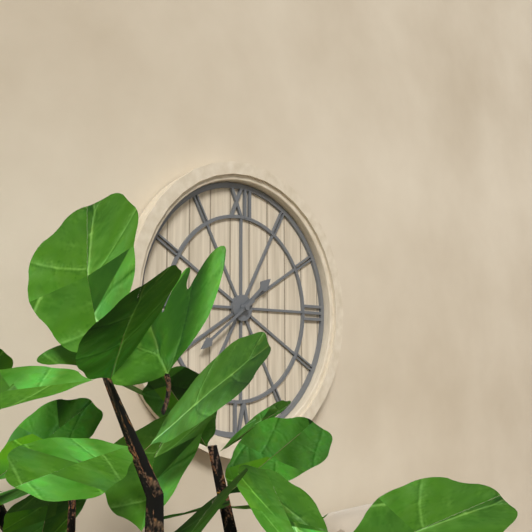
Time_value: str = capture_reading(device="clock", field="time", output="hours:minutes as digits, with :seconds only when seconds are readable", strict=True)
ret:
1:39
